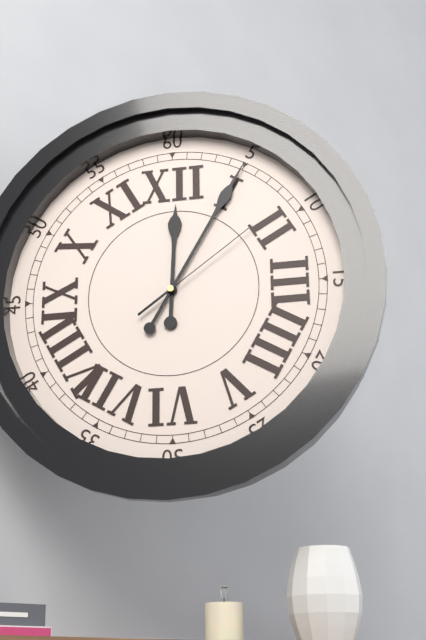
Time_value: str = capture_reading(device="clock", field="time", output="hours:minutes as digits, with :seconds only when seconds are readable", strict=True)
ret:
12:05:09
